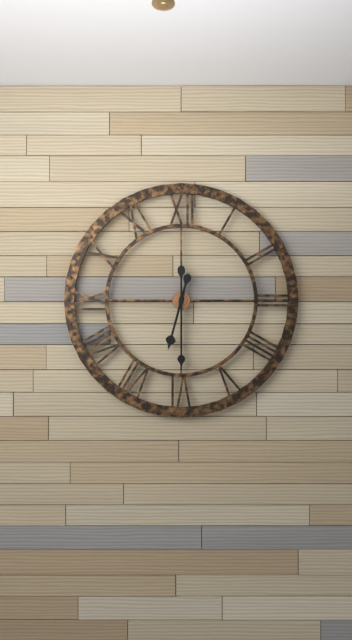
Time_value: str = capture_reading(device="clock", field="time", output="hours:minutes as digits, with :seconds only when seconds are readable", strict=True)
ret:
6:30
